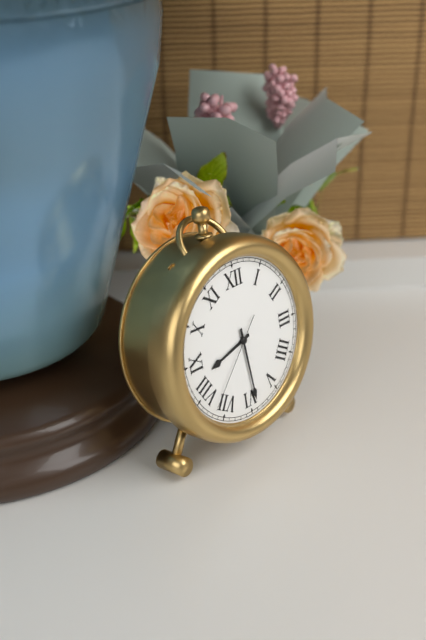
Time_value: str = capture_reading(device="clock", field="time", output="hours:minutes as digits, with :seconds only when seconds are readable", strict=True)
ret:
8:29:37
